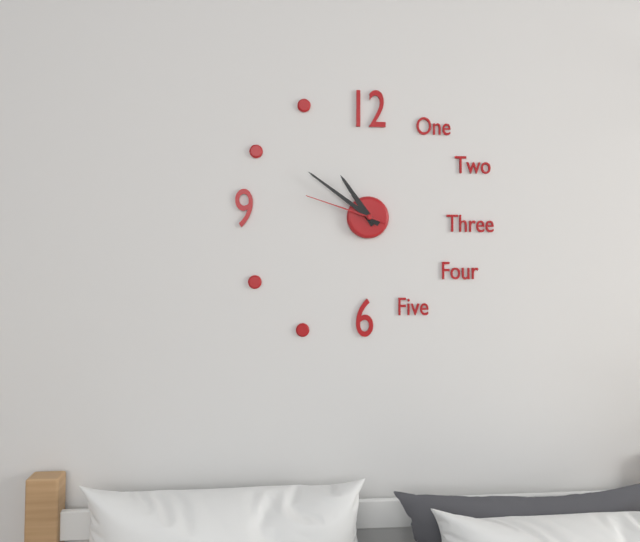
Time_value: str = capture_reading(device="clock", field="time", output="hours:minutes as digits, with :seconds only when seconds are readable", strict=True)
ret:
10:51:48
